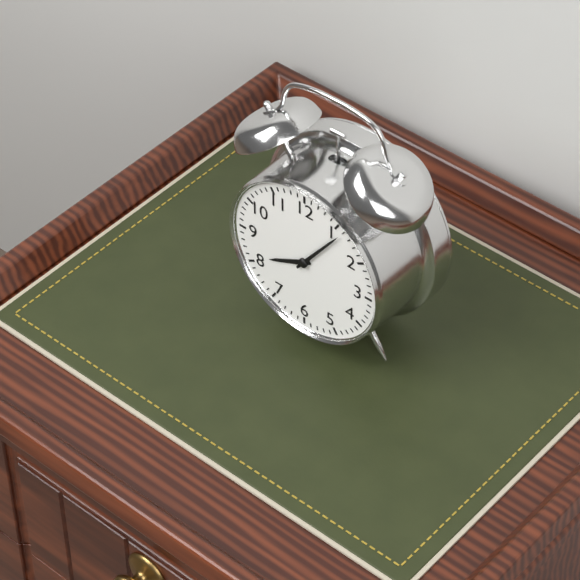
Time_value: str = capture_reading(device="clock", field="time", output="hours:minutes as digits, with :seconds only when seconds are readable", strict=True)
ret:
8:06
